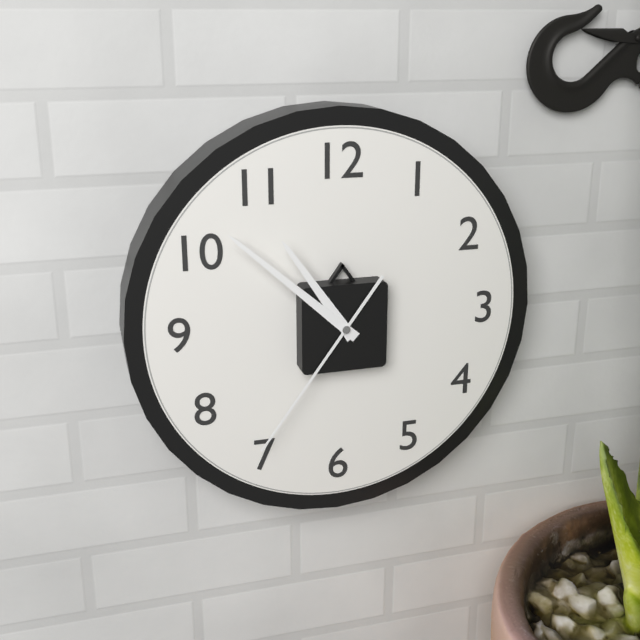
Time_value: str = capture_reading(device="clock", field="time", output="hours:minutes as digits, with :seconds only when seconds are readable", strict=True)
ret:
10:52:36
